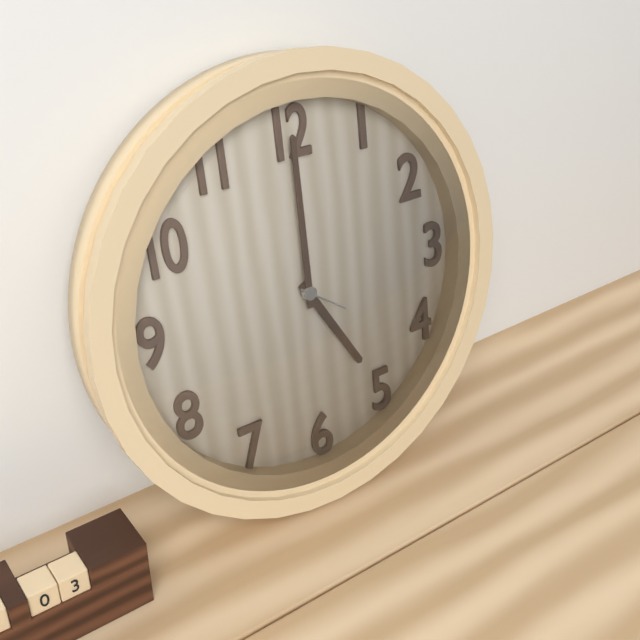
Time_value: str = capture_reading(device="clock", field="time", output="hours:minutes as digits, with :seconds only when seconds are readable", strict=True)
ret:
5:00
